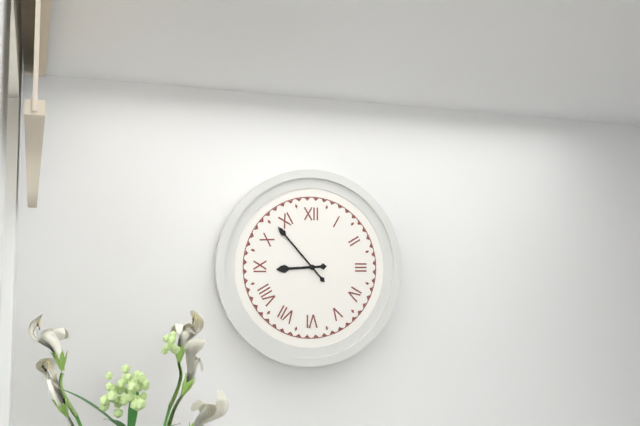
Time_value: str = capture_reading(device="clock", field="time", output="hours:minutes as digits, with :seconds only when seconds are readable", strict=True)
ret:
8:53
